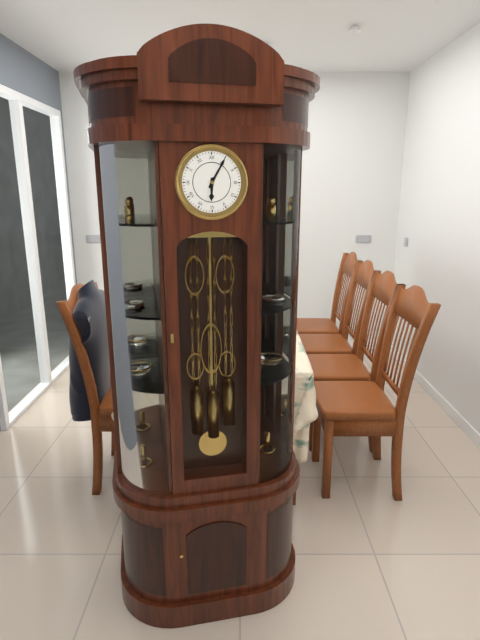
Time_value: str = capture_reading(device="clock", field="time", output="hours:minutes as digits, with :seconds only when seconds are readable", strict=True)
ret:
6:05
